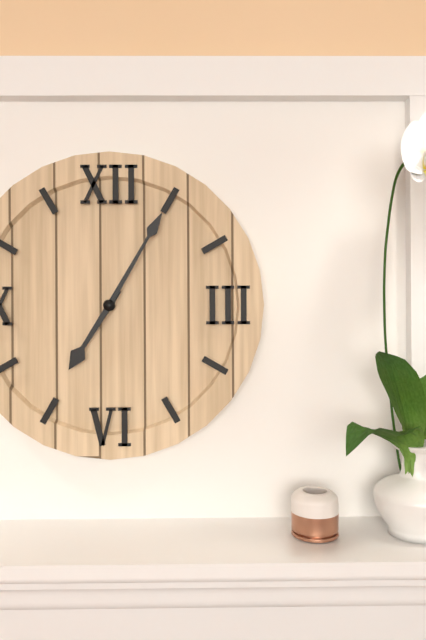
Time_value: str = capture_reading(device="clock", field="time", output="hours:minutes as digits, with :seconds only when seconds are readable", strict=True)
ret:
7:05
